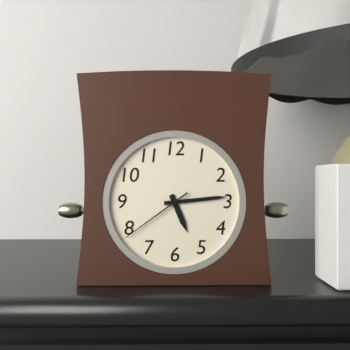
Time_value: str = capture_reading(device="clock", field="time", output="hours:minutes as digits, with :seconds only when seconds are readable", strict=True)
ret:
5:14:39
